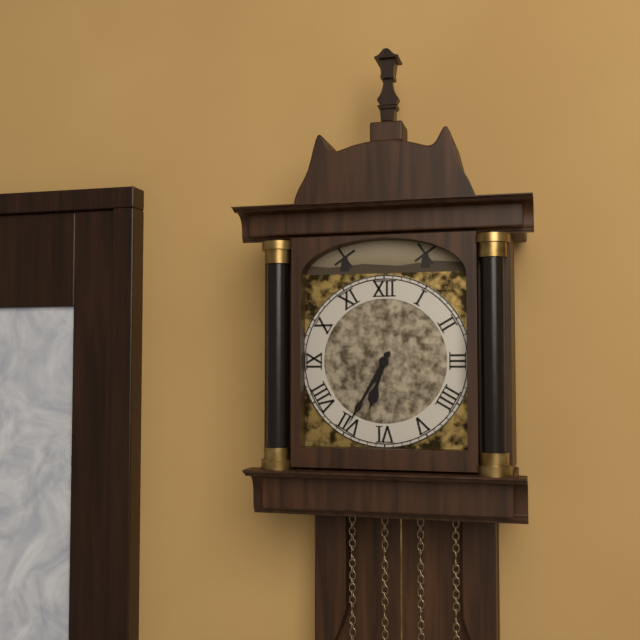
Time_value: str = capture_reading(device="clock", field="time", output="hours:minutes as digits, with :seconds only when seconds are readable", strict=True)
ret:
6:35
